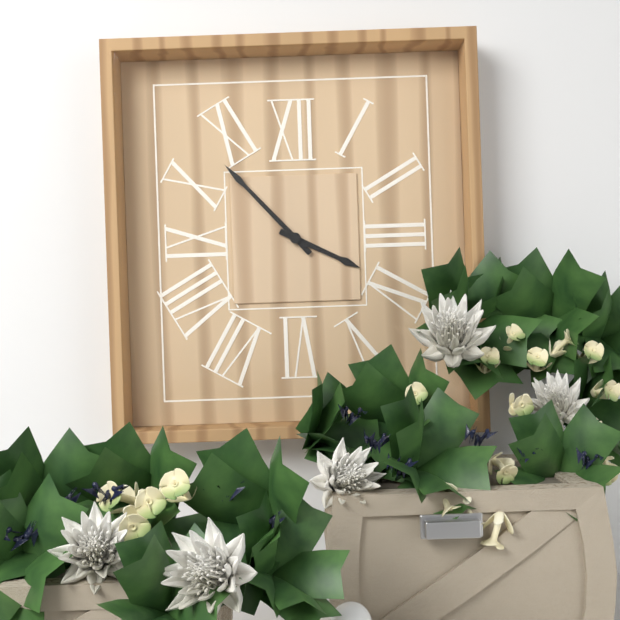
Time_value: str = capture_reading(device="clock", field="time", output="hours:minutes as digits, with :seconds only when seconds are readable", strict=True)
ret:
3:53
